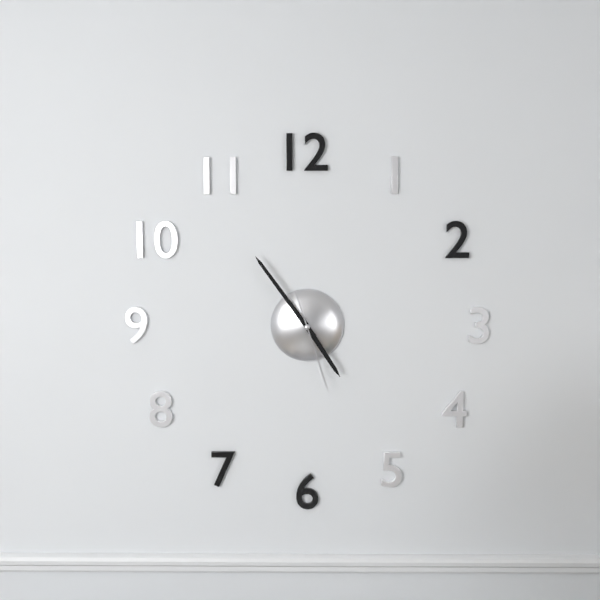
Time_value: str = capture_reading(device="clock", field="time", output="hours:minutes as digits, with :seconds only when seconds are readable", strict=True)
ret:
4:54:27
